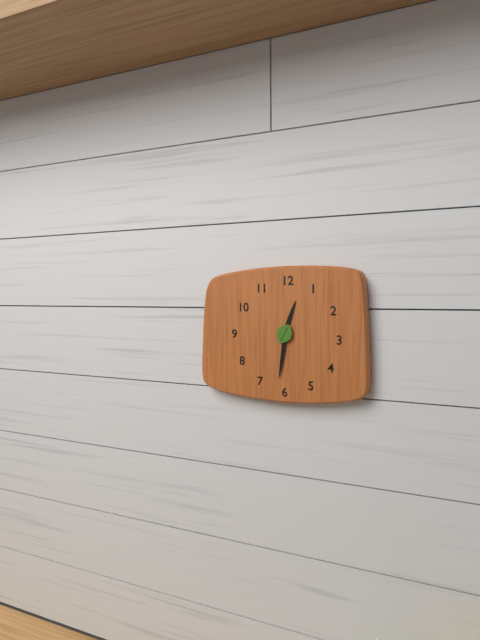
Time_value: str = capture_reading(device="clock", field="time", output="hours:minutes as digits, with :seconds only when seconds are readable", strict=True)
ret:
12:31
